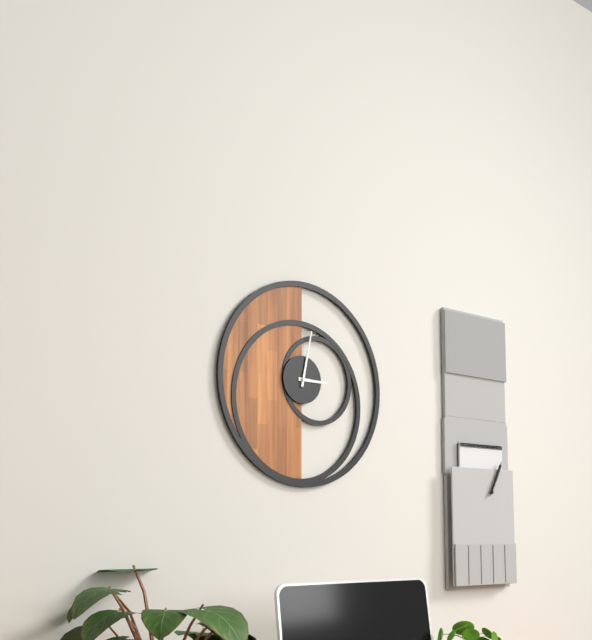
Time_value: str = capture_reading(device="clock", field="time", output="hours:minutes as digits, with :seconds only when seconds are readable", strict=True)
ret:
3:02
